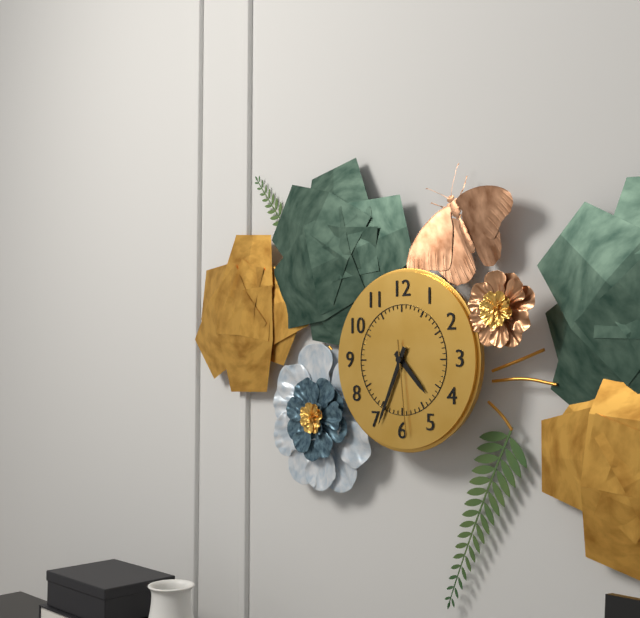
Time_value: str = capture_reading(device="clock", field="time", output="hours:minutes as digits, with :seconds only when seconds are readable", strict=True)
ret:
4:34:29
